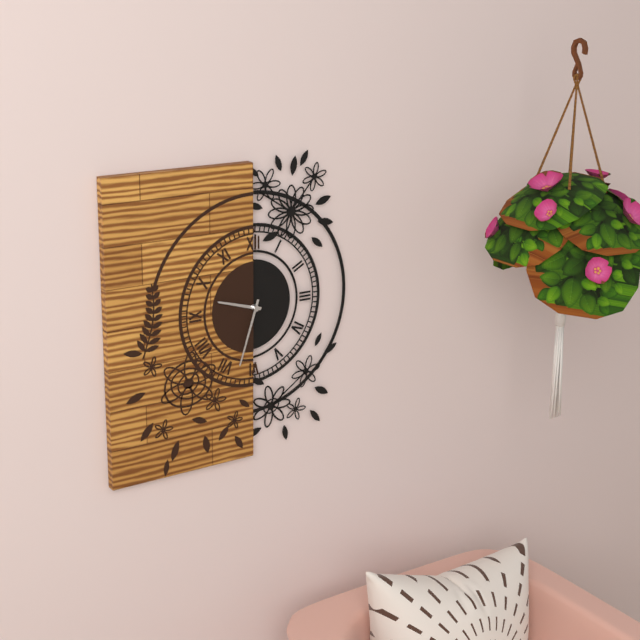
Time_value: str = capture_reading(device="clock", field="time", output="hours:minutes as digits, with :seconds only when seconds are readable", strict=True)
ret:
9:33
